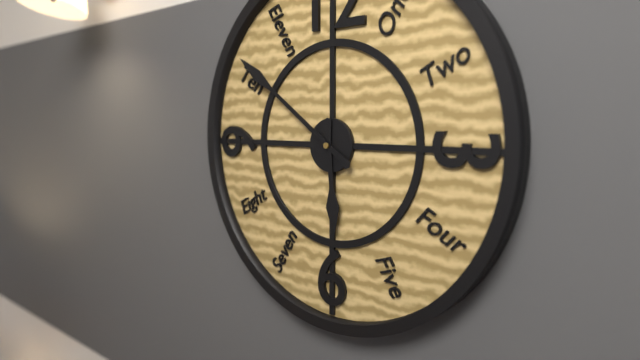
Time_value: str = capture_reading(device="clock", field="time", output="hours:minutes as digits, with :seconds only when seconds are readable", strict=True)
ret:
5:51
